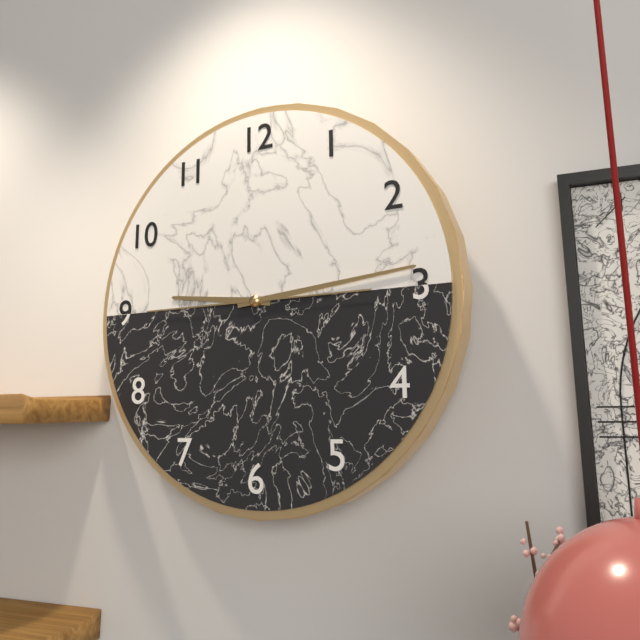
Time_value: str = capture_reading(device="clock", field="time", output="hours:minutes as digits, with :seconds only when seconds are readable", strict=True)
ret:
9:14:45
